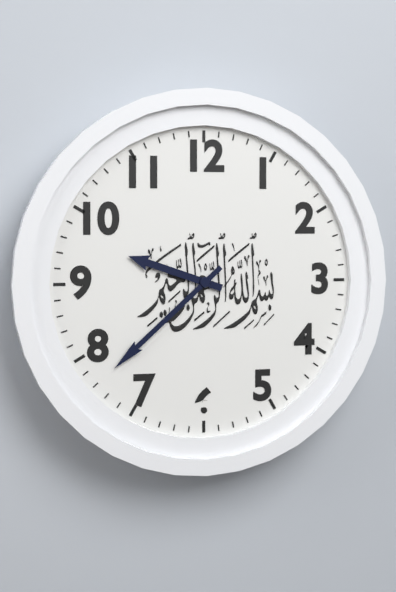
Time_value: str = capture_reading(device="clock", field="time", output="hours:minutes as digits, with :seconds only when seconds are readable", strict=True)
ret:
9:38
